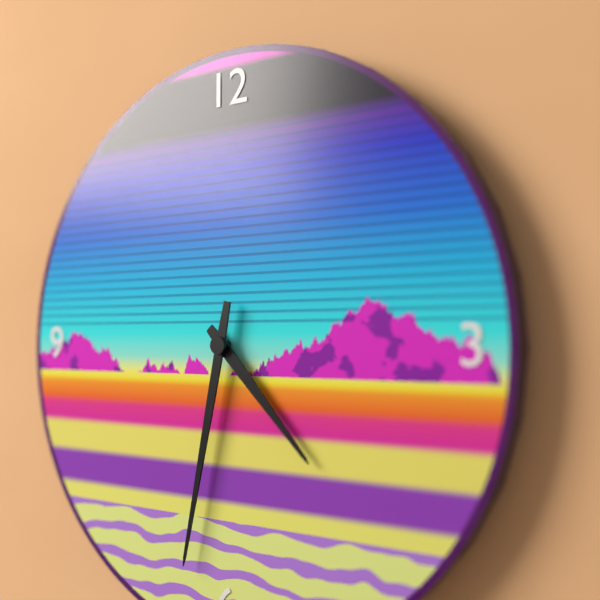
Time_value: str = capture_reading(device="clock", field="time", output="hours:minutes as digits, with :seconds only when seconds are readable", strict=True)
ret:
4:32
